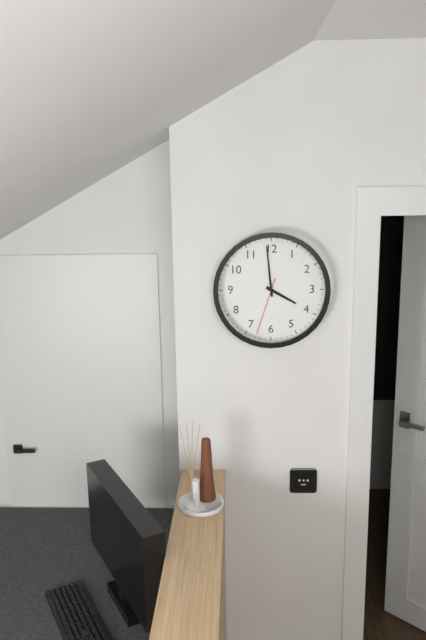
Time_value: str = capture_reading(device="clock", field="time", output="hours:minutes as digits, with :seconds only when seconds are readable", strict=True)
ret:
3:59:33
